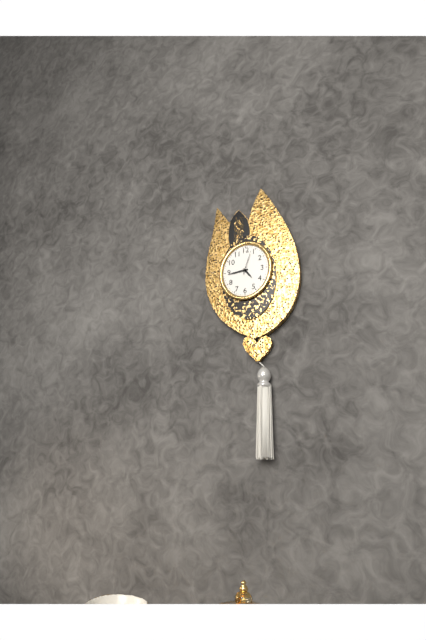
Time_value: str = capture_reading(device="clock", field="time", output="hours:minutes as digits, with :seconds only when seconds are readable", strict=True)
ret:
4:44
